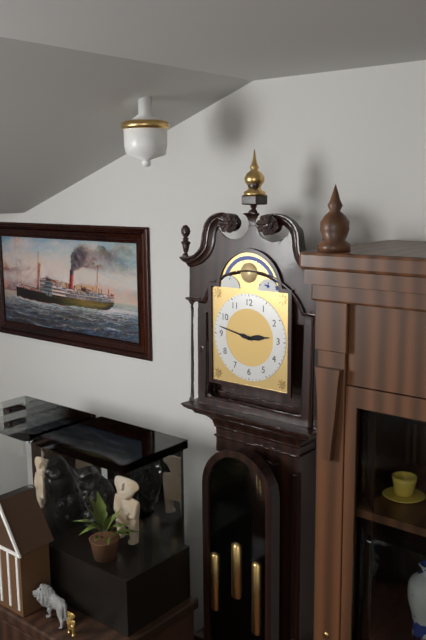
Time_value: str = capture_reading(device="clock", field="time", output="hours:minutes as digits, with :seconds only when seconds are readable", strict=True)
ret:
2:47
